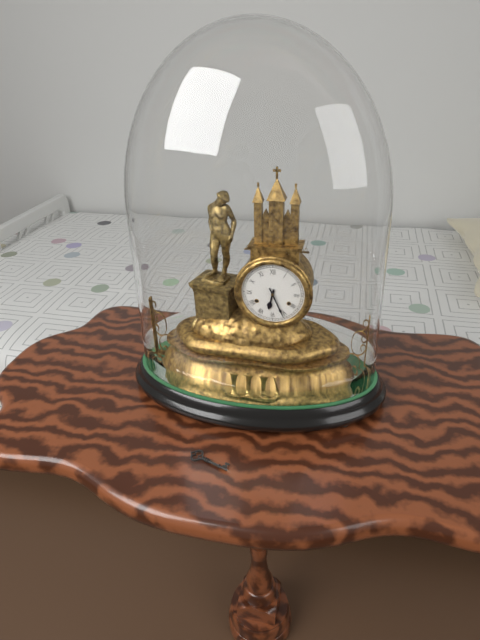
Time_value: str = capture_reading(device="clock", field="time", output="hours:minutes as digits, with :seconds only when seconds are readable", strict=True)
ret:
6:26
